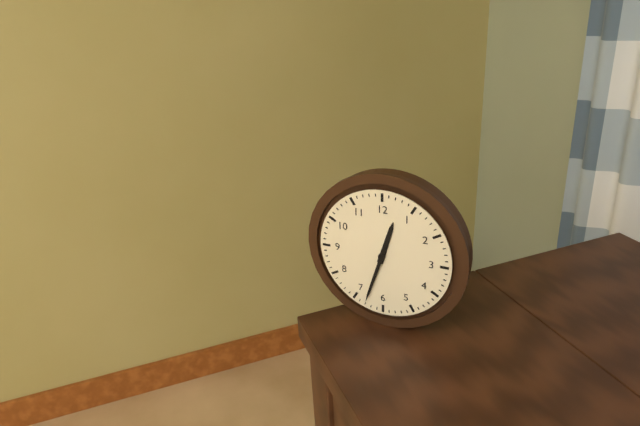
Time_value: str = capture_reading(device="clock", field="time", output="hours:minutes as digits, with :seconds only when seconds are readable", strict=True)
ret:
12:33
